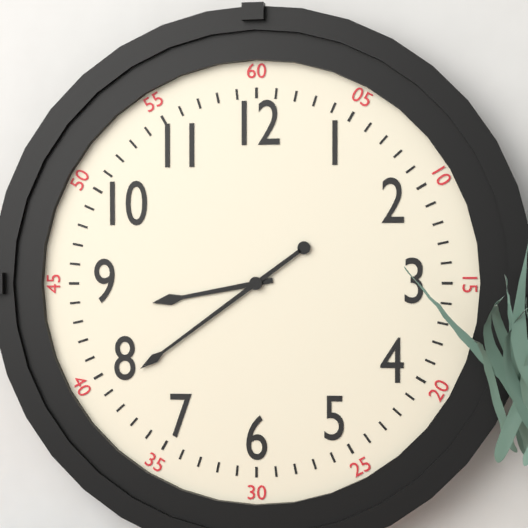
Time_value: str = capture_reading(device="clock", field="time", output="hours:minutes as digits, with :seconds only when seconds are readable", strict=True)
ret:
8:39
